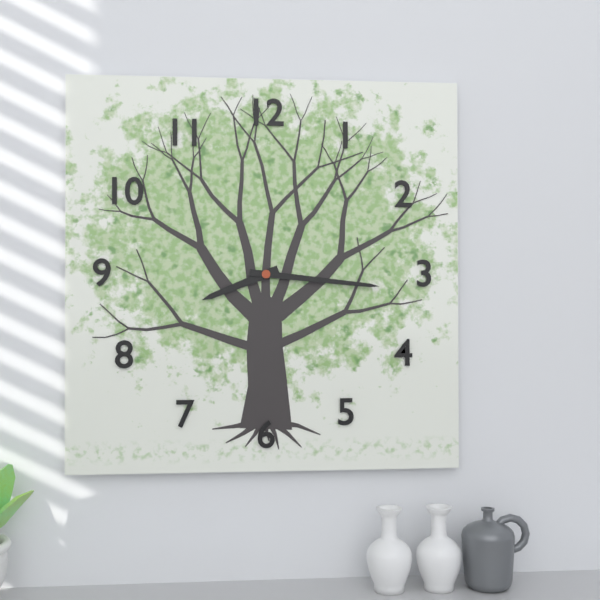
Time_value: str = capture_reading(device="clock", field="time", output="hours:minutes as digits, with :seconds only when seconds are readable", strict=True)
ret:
8:16
